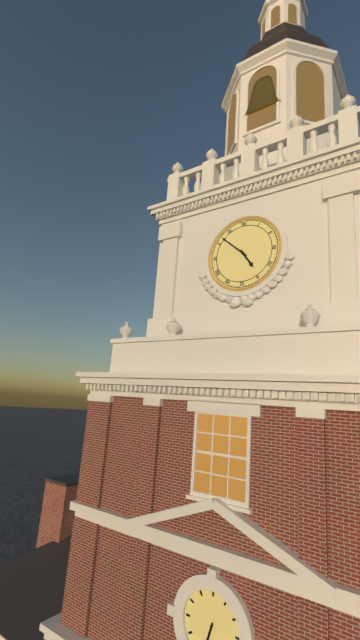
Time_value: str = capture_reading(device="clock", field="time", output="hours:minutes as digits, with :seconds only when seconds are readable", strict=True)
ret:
4:52
